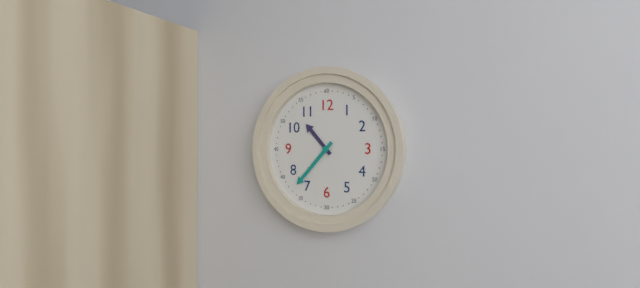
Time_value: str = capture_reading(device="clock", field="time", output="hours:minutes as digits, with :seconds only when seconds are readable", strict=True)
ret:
10:37
